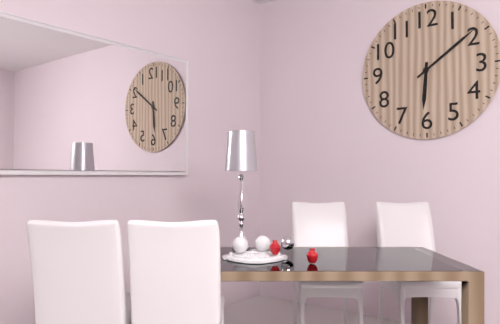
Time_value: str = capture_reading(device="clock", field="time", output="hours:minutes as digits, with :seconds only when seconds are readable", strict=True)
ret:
6:09
